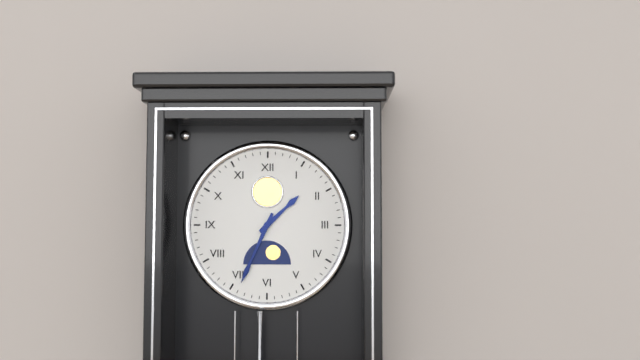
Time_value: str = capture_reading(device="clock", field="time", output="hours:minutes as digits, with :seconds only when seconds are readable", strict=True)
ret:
1:34
